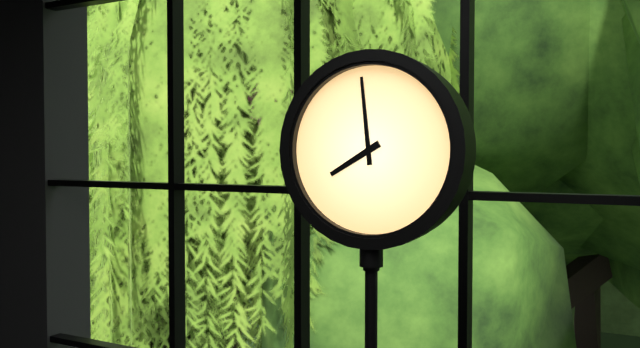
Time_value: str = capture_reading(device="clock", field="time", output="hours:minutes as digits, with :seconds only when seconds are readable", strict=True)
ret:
7:59
